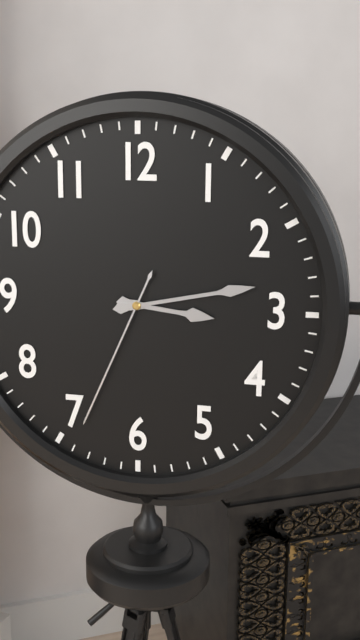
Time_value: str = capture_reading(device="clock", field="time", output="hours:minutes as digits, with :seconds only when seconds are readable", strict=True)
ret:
3:13:34
